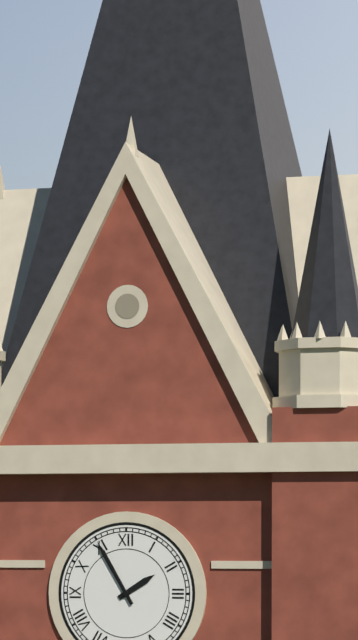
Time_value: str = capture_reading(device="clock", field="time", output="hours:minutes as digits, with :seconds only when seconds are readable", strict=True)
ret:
1:55
